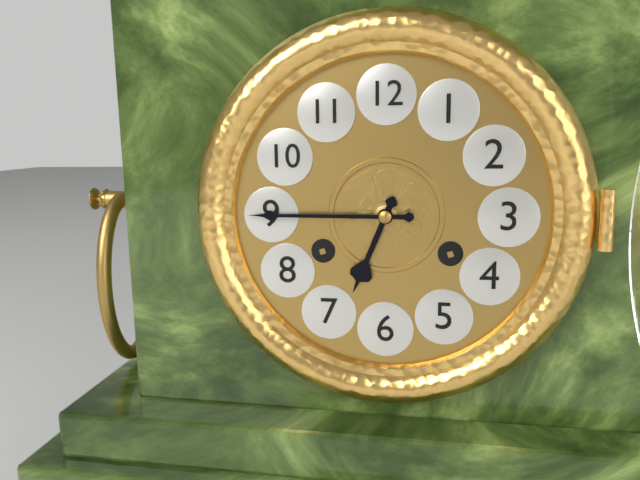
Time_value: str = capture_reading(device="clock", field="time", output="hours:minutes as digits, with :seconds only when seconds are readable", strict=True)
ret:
6:45
